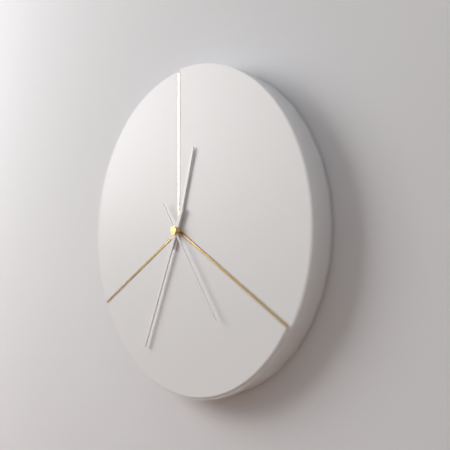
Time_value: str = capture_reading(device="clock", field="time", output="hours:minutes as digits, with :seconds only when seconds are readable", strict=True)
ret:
12:34:24
